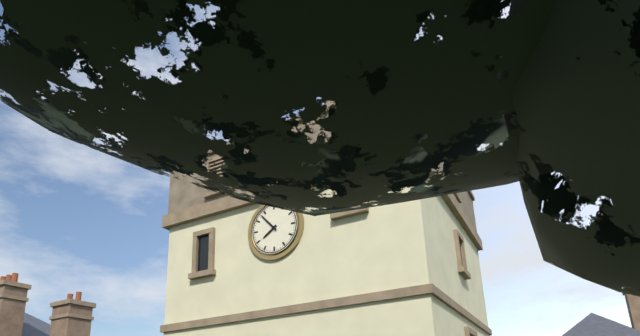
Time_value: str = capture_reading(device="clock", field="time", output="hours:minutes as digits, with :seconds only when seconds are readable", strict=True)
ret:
7:53
